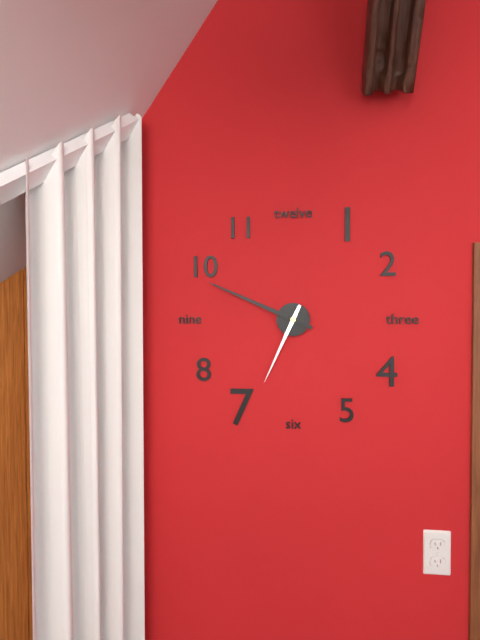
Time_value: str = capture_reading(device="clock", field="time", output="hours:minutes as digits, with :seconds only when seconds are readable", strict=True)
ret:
6:49
